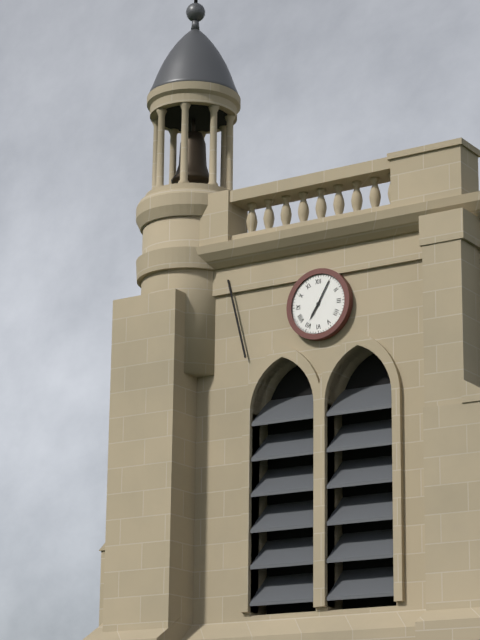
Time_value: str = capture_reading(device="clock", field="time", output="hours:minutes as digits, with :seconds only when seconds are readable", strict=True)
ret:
7:05
